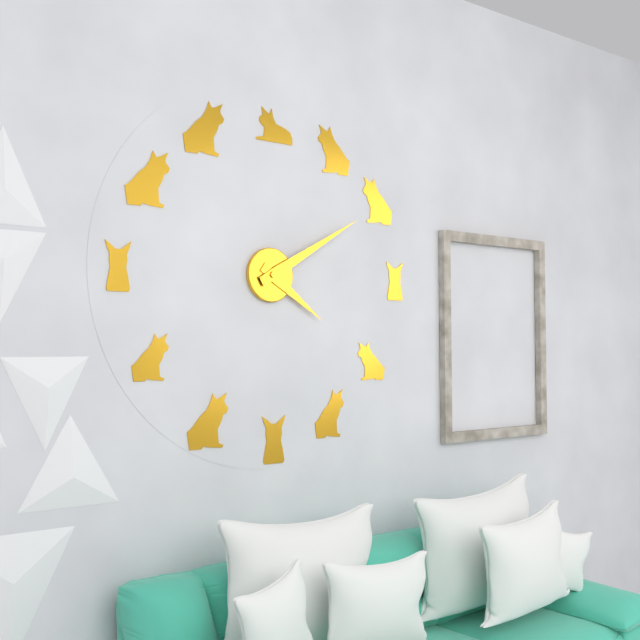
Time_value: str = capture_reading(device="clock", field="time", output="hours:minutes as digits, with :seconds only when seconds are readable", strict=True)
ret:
4:10
